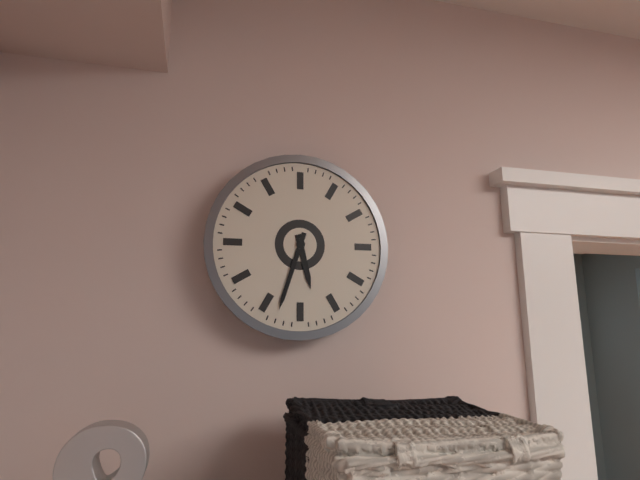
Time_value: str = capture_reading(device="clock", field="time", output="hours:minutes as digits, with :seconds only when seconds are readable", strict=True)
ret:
5:33
